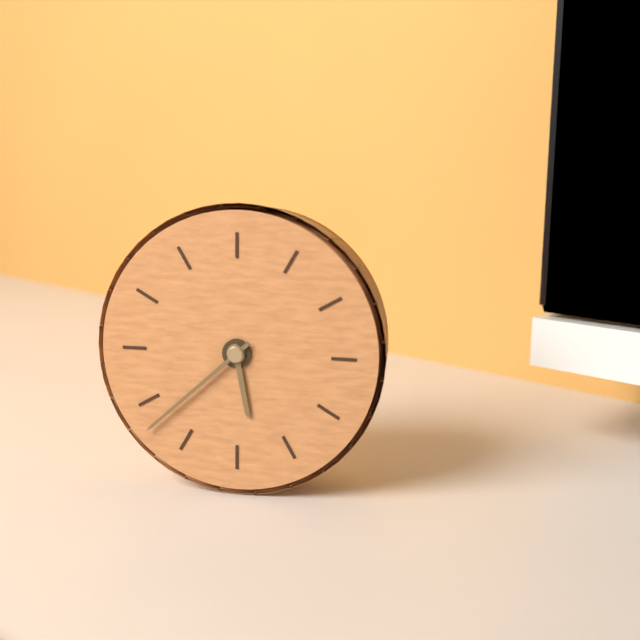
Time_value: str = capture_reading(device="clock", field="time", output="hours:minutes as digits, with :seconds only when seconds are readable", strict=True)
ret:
5:38
